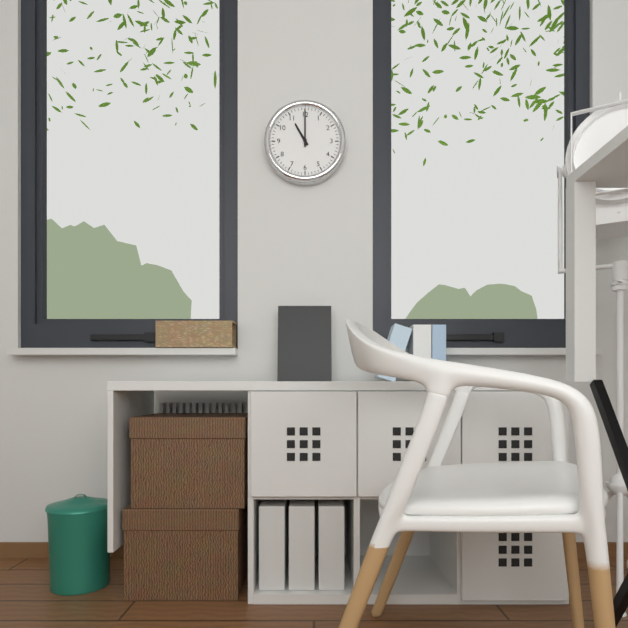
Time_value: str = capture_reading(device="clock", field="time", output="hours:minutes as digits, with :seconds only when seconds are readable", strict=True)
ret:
11:00
